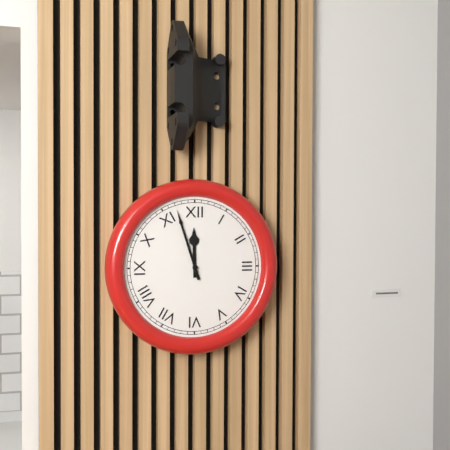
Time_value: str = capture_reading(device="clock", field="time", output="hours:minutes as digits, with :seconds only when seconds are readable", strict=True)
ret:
11:57
